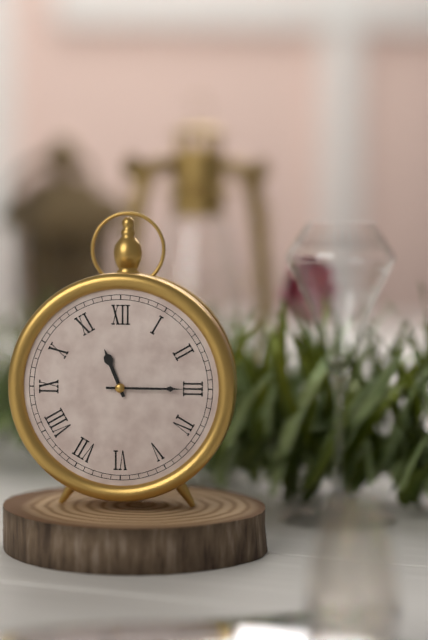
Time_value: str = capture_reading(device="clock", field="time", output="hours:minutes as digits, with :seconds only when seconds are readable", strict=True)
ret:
11:15
